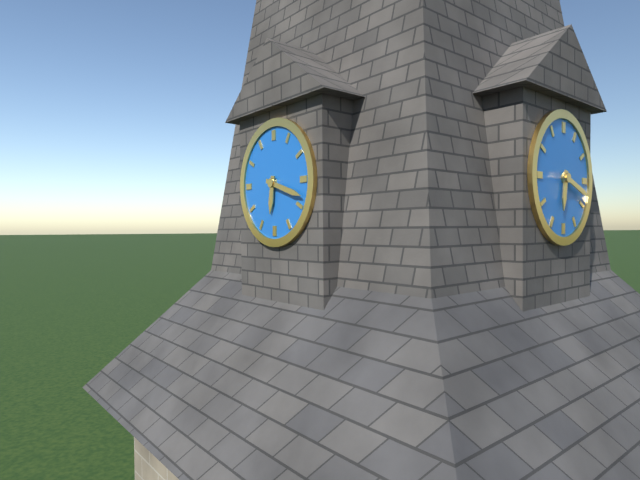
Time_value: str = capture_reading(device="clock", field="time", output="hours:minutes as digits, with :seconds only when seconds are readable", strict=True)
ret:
6:18
